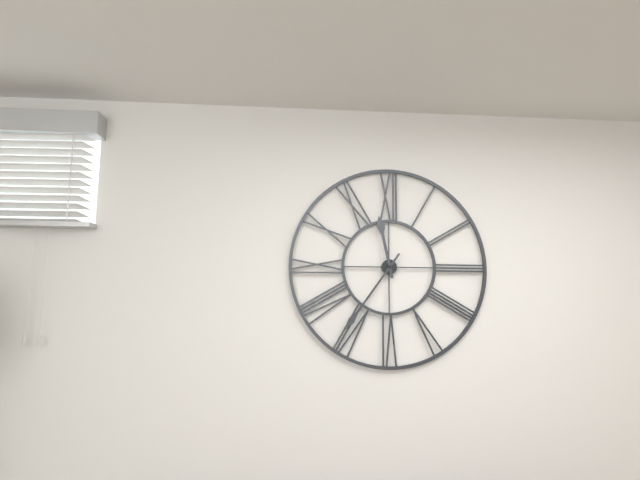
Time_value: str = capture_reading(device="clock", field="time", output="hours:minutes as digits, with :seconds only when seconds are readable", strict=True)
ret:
11:36
